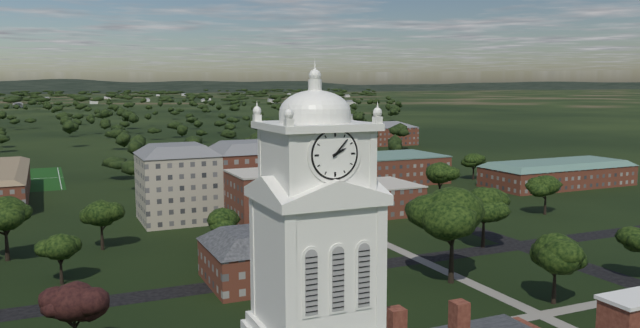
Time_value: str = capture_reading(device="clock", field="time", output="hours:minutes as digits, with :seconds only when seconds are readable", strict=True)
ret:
2:07
